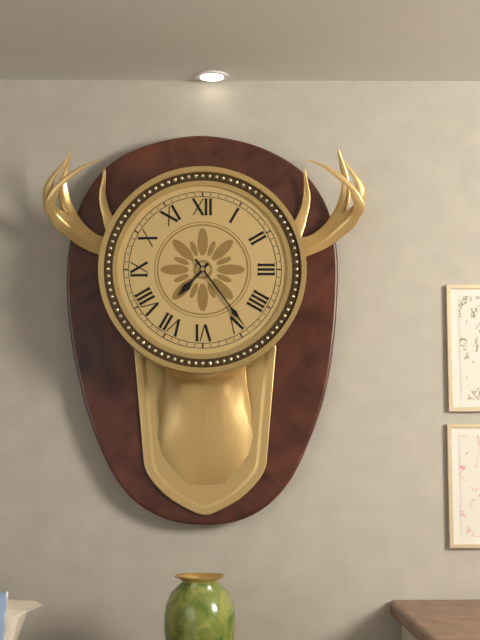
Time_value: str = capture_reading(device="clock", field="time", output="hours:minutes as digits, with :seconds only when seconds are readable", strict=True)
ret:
7:24
